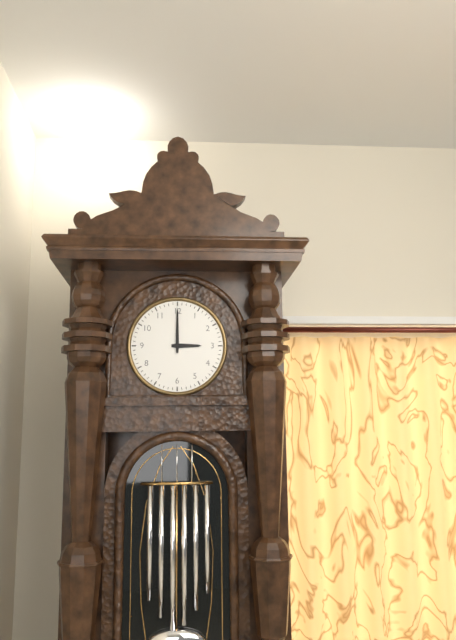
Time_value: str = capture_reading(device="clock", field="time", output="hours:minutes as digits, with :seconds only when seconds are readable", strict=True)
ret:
3:00
